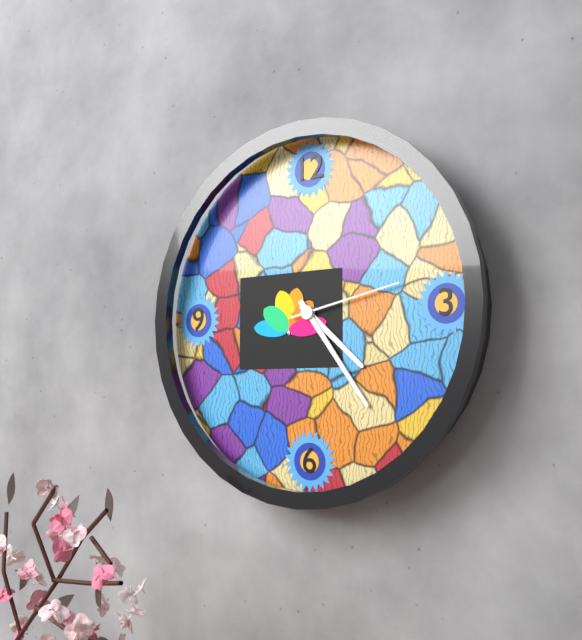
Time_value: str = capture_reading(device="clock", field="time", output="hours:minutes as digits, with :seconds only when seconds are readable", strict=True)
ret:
4:24:13
